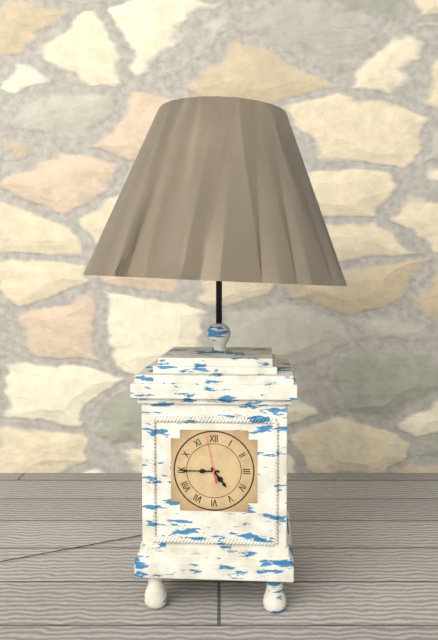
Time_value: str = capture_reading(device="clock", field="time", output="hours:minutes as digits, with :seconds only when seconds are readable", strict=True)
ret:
4:45
